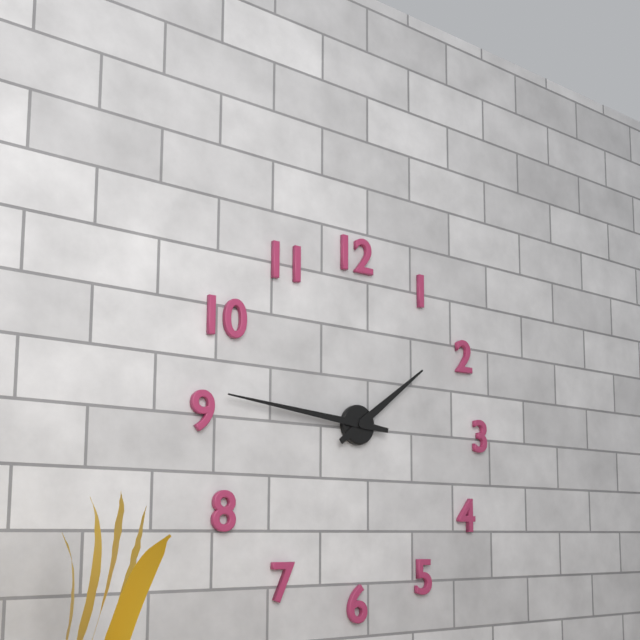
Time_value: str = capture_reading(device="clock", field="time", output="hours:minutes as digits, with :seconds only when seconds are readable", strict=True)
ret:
1:46
